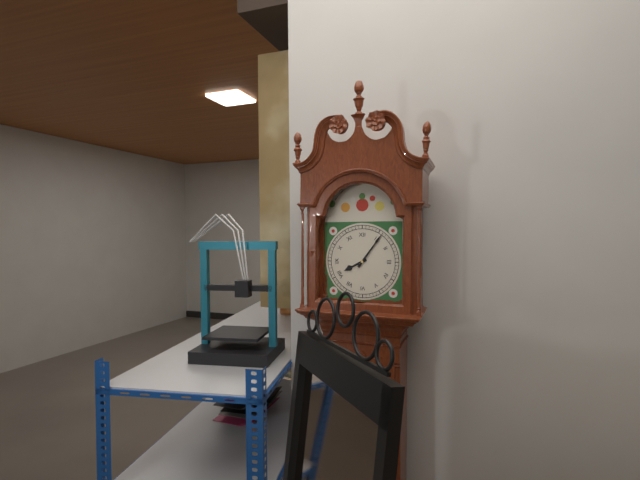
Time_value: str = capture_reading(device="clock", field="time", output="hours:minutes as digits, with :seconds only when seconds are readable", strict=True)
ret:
8:06
